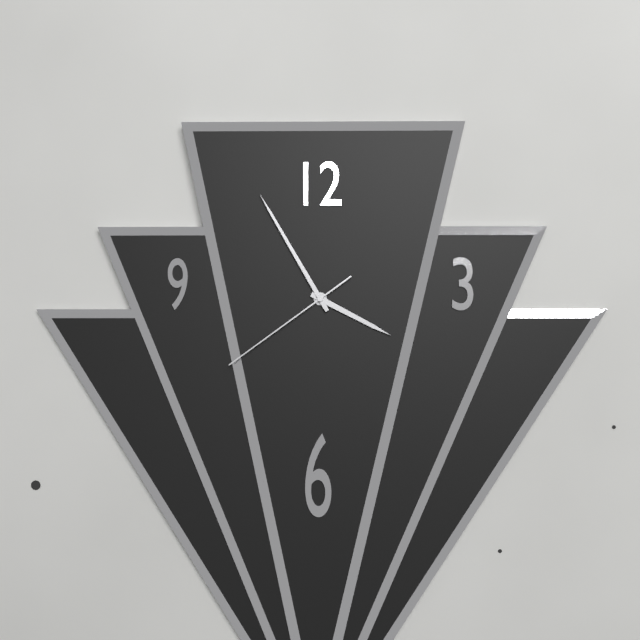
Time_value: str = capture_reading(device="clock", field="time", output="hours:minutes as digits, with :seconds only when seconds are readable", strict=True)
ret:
3:55:39
